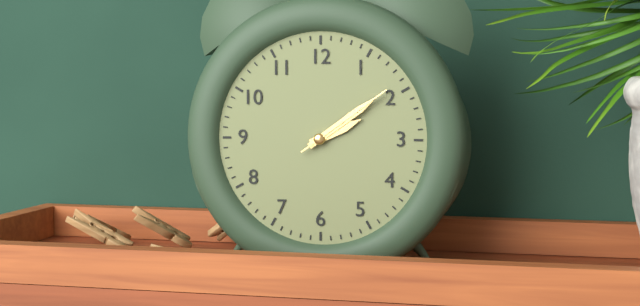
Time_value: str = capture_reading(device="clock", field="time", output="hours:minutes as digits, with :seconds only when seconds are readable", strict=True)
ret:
2:09:09
